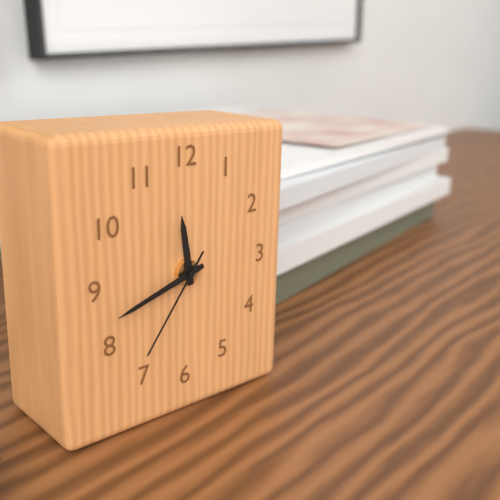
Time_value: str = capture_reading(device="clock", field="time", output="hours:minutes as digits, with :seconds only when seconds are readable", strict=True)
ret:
11:42:36
